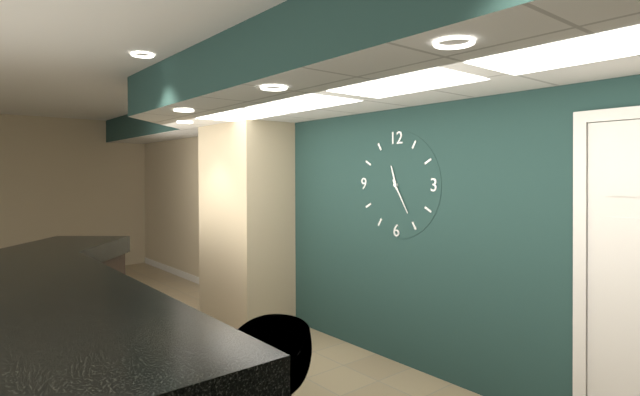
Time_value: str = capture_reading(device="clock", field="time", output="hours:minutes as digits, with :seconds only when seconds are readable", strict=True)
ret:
11:25
